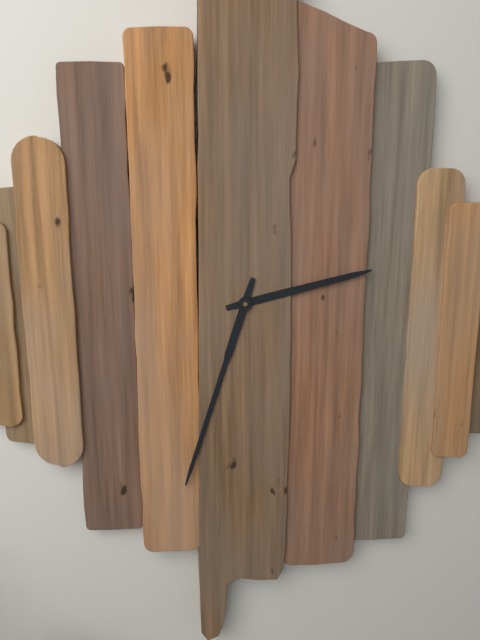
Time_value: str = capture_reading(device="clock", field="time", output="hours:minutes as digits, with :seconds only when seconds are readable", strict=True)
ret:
2:33
